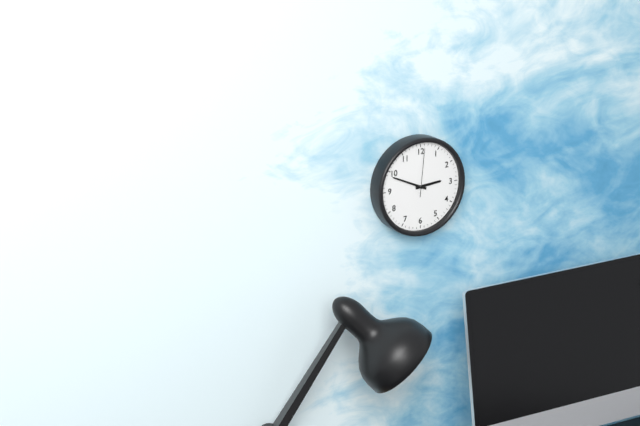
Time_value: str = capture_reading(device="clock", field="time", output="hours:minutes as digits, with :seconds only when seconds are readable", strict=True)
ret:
2:49
